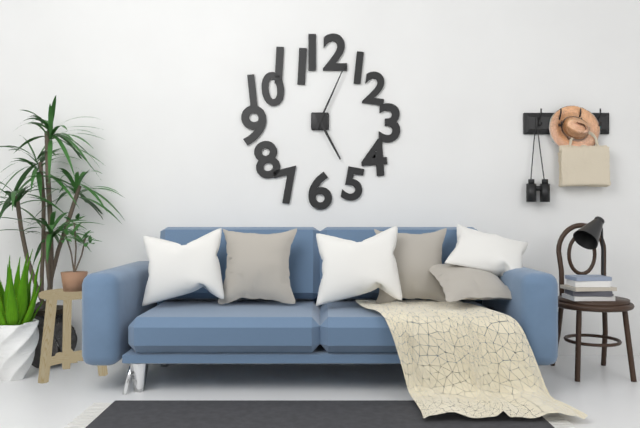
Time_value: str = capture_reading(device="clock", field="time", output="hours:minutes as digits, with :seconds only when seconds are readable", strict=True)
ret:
5:04
